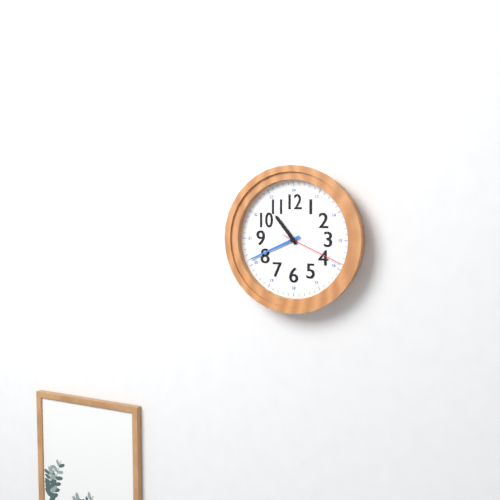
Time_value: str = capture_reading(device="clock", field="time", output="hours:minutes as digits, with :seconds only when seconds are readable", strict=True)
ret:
10:41:19
